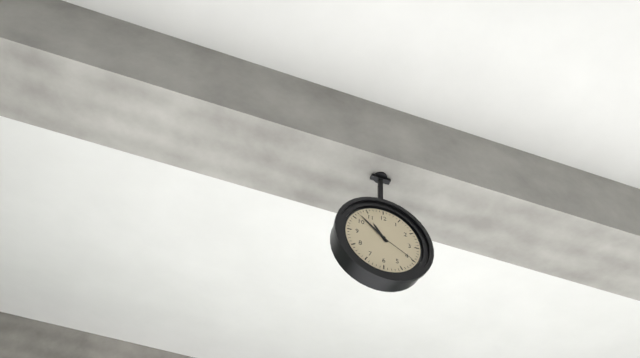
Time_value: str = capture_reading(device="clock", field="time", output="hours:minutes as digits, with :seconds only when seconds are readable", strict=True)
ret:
10:52
